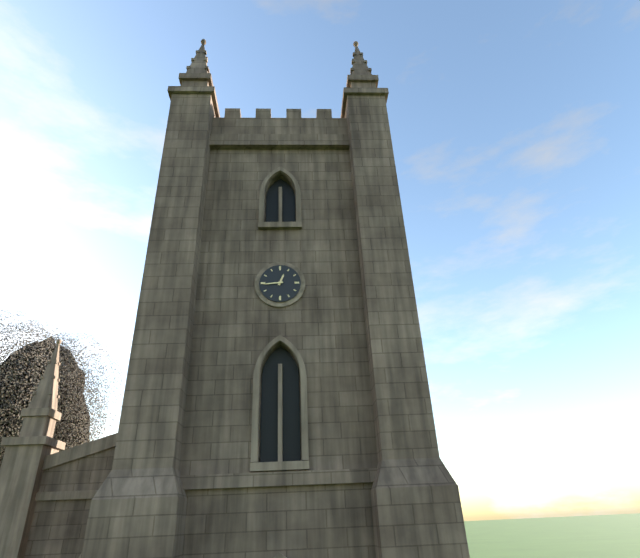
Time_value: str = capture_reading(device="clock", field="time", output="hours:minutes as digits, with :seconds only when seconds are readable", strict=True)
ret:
12:44
